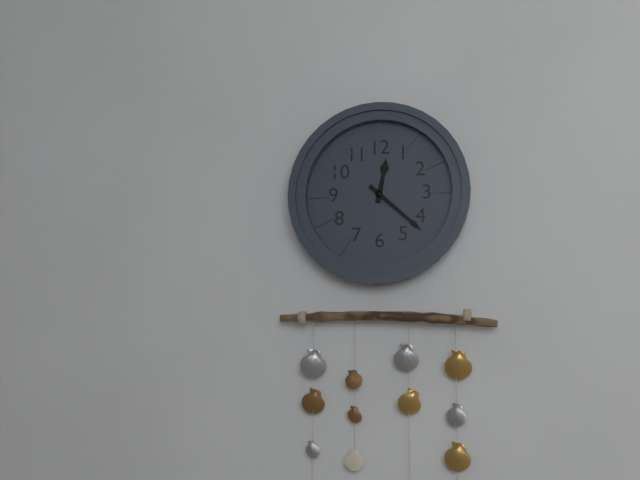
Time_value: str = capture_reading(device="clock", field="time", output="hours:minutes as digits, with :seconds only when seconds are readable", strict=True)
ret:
12:22
